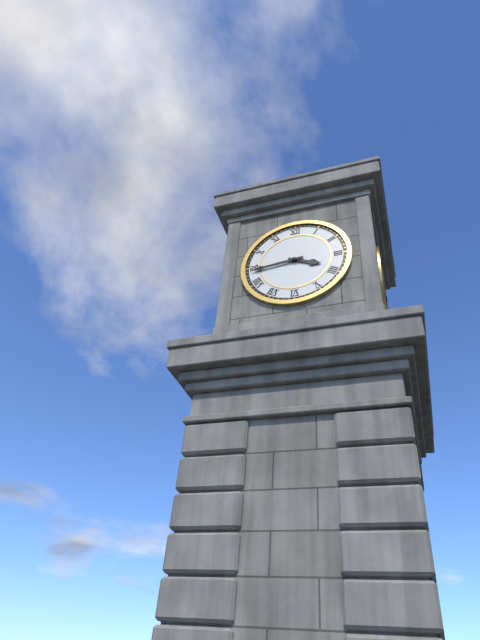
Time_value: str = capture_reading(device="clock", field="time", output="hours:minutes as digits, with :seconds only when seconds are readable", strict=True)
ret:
3:44
